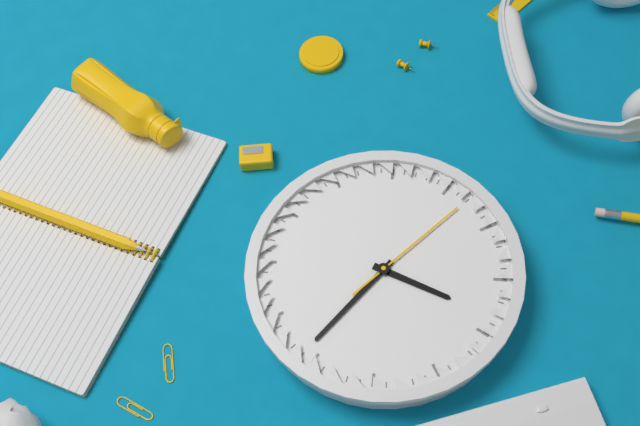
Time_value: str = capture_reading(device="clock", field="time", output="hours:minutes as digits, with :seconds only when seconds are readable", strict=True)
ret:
4:41:12
